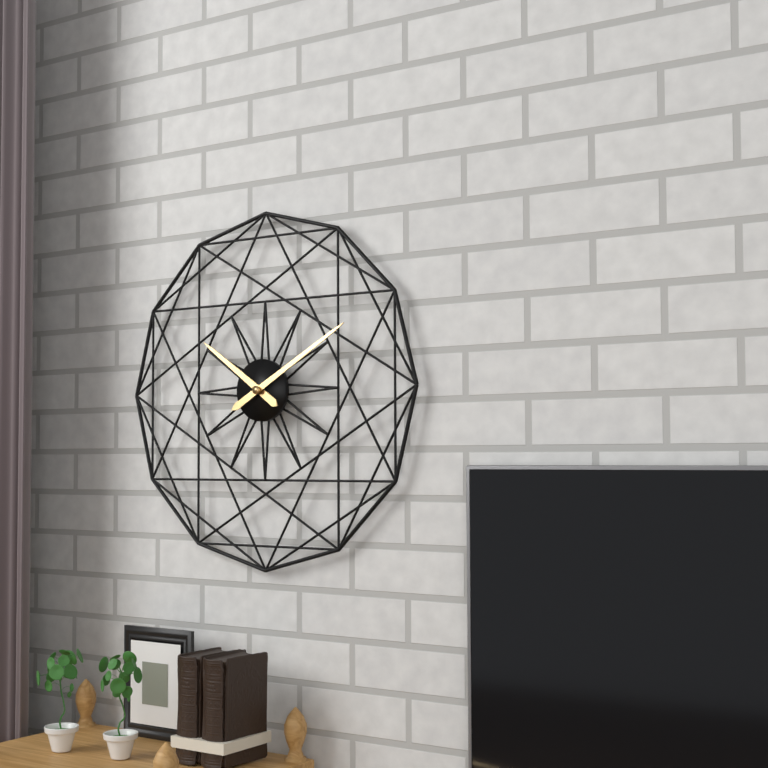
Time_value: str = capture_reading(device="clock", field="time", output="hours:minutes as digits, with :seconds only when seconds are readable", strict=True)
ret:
10:10
